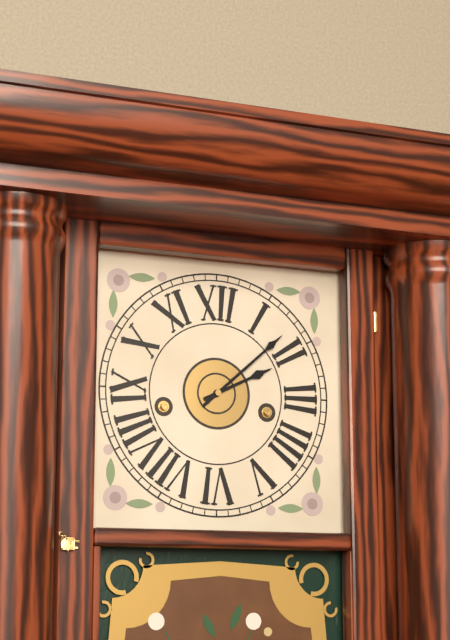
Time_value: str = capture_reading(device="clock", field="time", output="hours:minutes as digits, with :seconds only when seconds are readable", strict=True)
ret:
2:08
